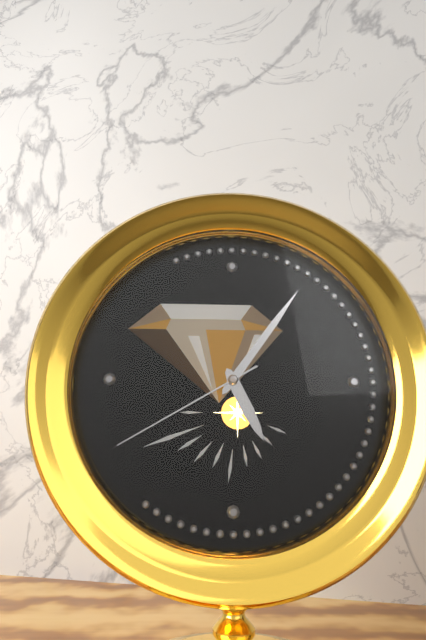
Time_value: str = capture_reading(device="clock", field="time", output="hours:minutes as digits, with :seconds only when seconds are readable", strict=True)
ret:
5:06:40
